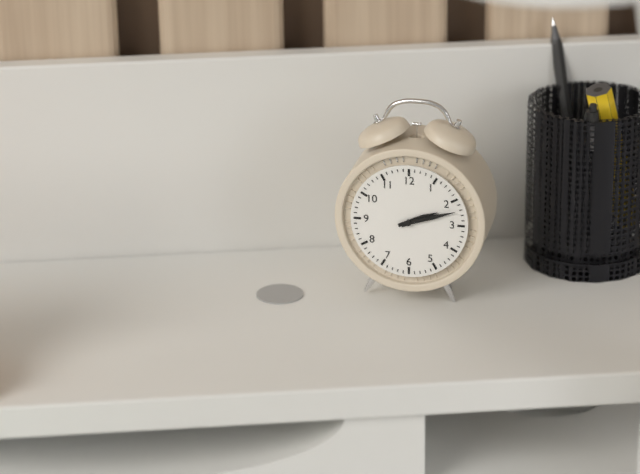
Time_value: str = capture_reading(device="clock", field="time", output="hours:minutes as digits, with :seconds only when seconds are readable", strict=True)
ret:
2:12
